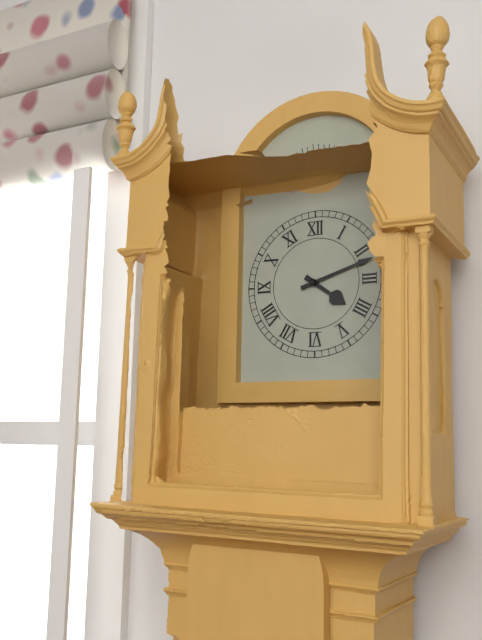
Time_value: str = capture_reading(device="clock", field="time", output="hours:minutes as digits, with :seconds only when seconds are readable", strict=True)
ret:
4:12
